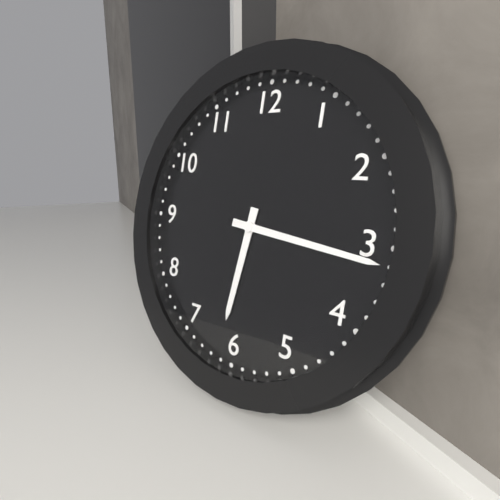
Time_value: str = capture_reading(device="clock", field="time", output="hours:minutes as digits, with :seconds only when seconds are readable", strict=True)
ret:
6:16
